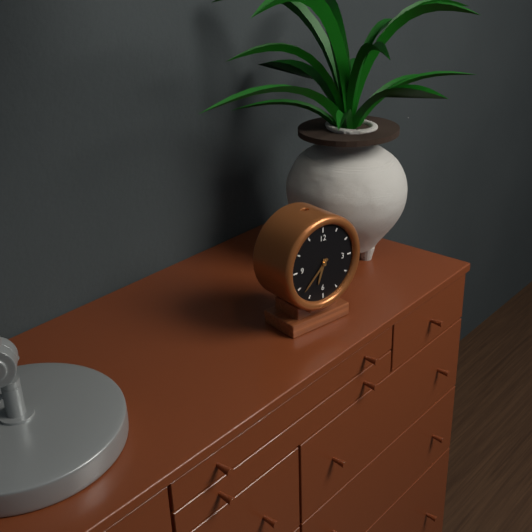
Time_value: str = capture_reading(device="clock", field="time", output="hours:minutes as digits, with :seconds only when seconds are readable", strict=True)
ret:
6:38
